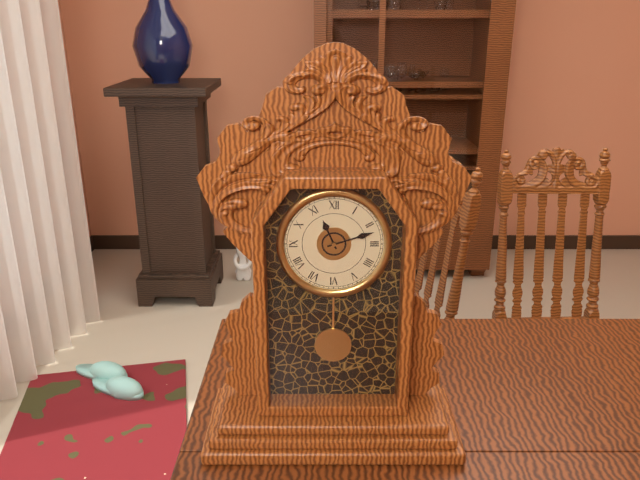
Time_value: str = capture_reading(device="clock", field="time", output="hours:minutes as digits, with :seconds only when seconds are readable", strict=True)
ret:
11:12
